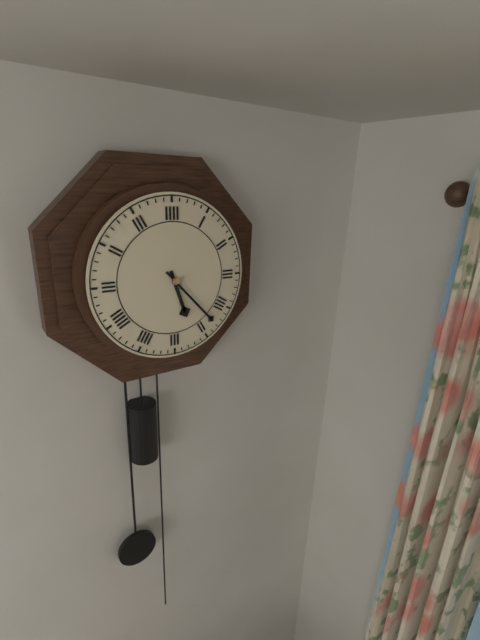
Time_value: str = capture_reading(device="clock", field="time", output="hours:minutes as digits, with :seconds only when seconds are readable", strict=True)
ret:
5:23
